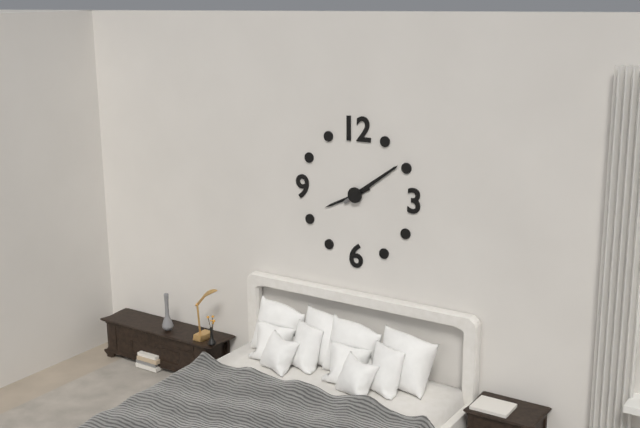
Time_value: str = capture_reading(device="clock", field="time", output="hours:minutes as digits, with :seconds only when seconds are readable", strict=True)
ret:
8:09
